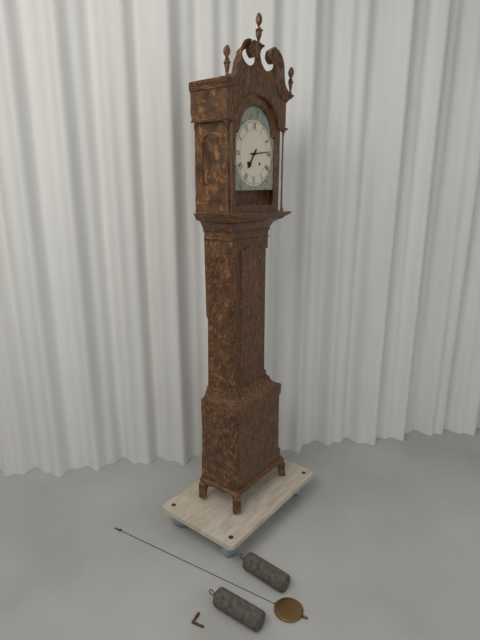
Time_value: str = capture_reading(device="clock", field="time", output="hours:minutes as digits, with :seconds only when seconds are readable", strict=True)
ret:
7:14
